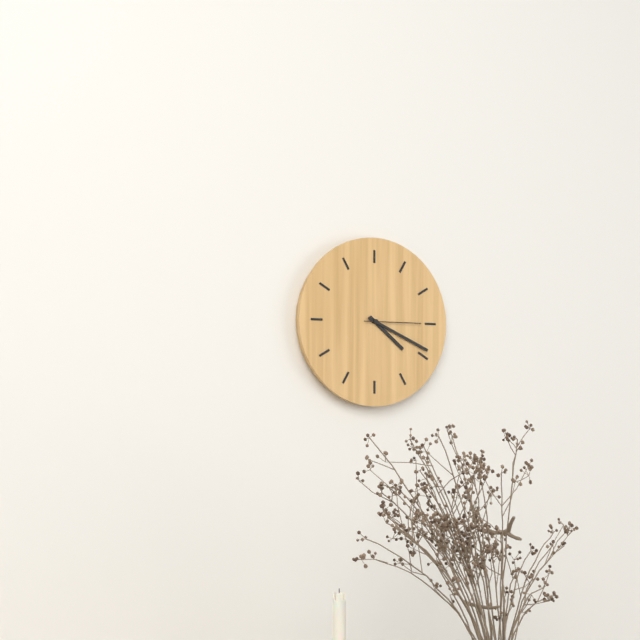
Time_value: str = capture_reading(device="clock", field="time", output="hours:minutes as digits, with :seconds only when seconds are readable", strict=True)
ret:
4:19:15
